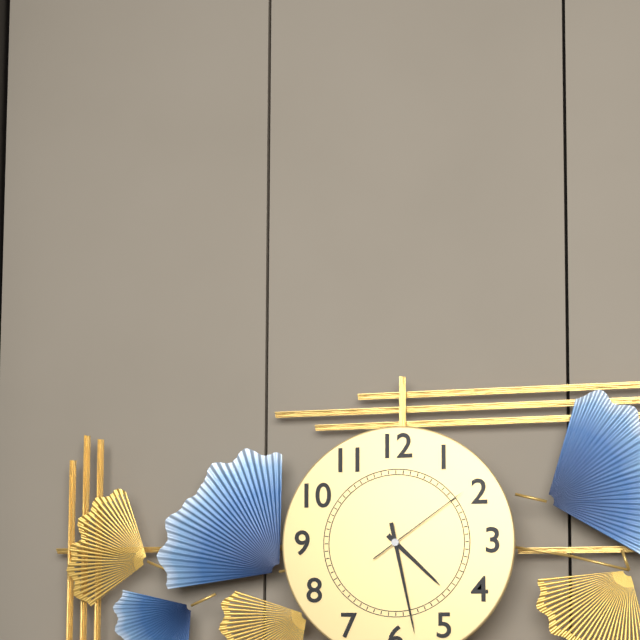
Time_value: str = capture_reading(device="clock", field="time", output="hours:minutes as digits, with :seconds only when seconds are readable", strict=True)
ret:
4:28:09
